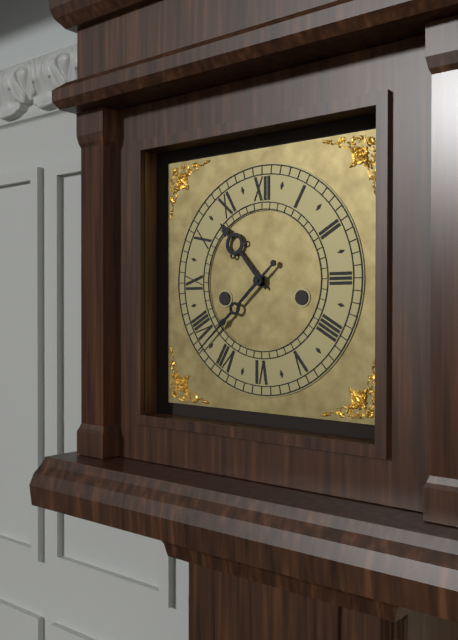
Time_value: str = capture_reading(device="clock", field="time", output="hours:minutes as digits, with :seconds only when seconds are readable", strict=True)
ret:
10:38
